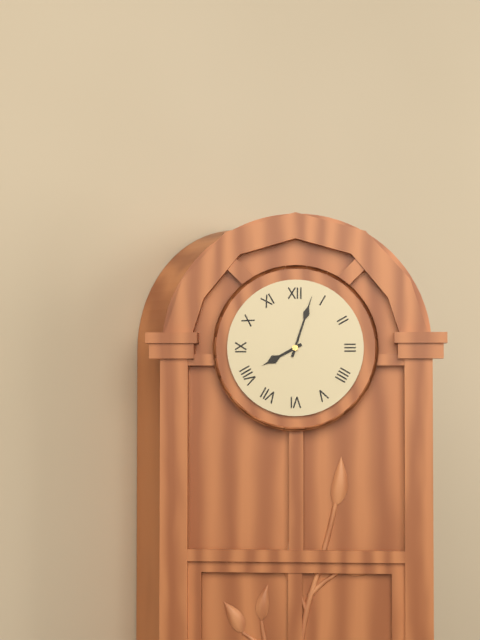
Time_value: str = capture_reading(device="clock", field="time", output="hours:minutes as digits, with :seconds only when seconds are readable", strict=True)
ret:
8:03
